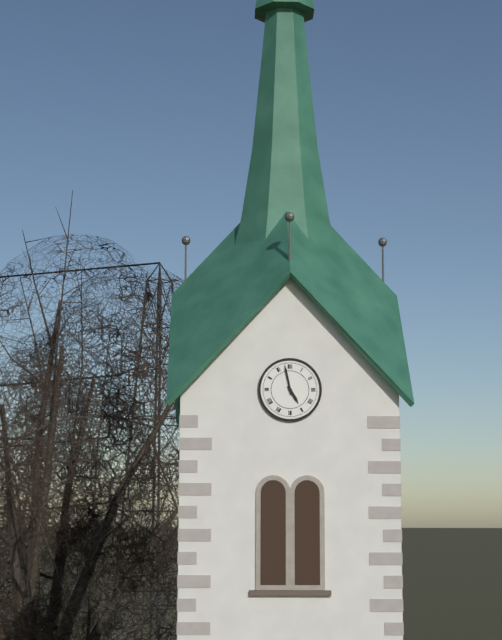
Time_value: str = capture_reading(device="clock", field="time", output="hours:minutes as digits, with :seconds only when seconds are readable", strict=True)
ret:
4:58
